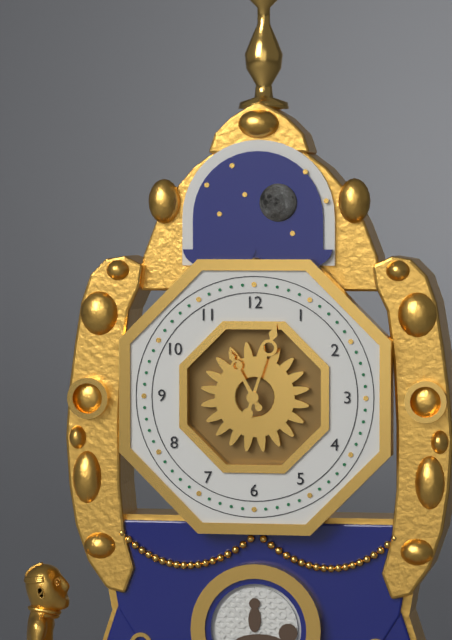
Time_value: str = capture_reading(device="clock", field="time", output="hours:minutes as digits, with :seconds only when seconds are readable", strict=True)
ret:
11:03
